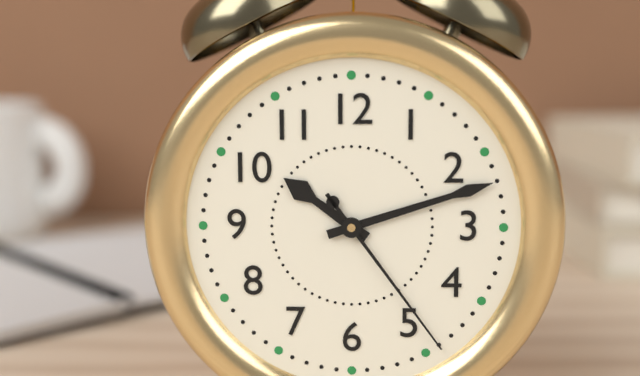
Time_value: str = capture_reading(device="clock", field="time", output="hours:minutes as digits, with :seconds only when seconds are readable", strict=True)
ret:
10:12:24
